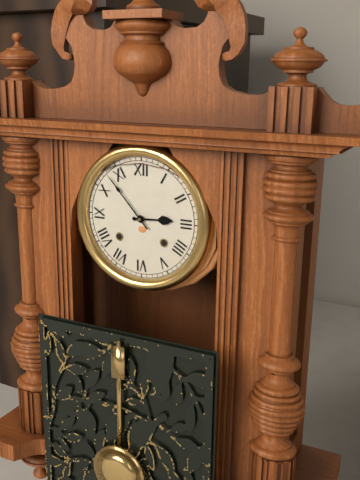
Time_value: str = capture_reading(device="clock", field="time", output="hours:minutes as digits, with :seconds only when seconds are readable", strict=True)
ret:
2:53
